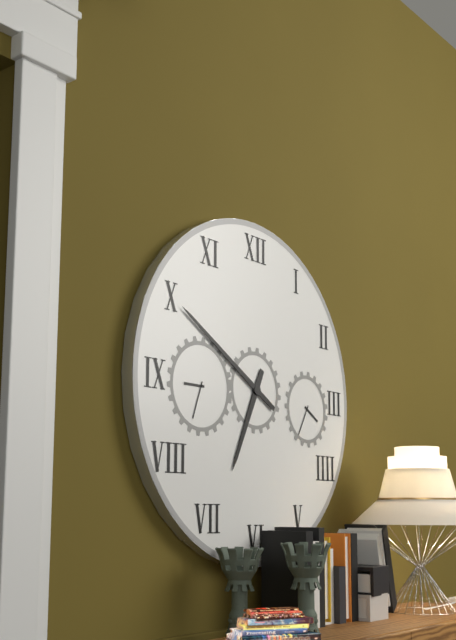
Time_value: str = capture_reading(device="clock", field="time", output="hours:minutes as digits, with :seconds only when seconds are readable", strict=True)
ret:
6:50
